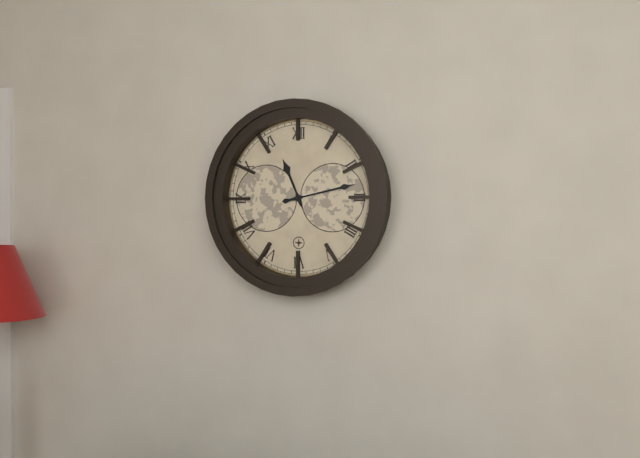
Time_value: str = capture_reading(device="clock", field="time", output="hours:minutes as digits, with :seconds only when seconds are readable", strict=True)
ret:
11:13
